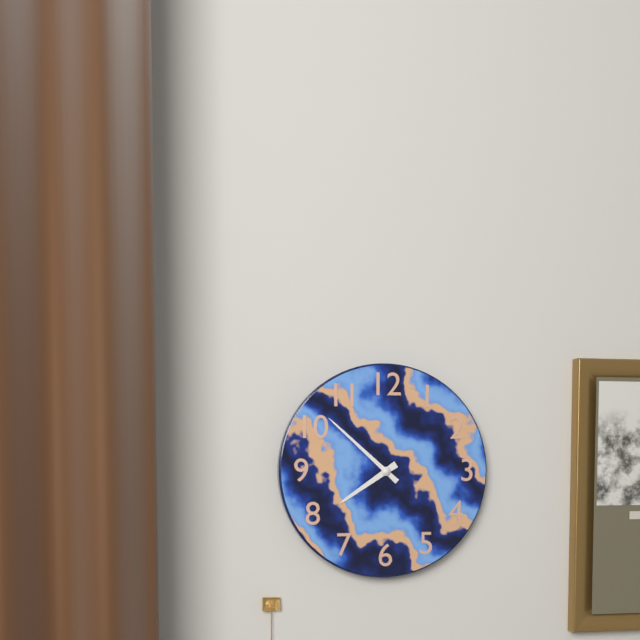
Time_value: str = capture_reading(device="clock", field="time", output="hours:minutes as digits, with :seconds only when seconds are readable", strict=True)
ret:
7:52
